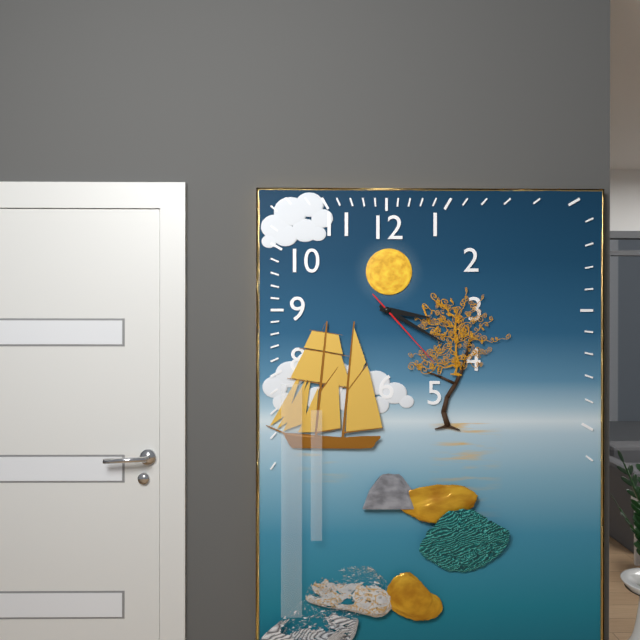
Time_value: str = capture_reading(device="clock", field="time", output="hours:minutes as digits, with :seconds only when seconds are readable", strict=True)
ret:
3:20:23
